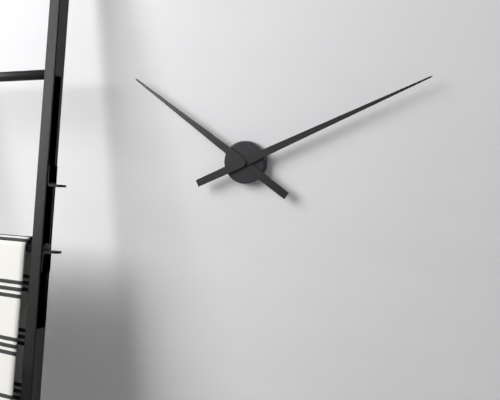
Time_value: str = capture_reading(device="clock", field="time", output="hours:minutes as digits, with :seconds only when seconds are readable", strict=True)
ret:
10:11
